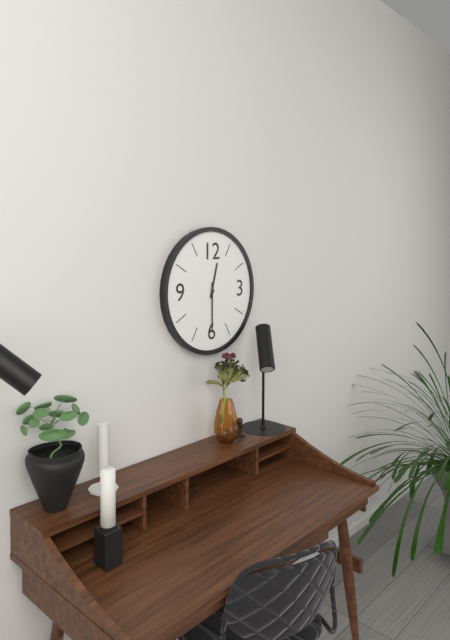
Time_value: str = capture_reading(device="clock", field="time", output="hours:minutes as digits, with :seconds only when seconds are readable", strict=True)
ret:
12:30
